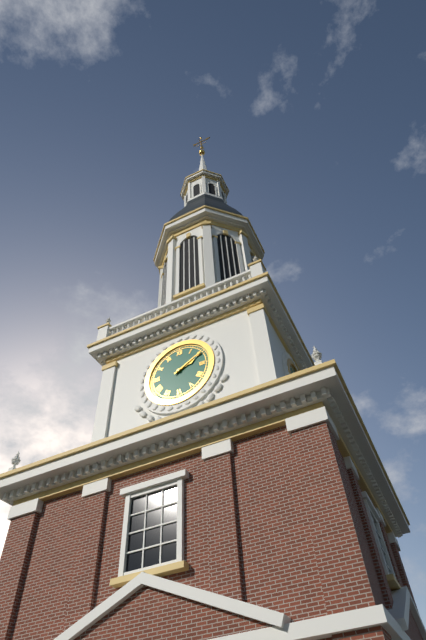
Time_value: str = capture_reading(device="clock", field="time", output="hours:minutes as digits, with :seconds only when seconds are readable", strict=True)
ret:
2:10
